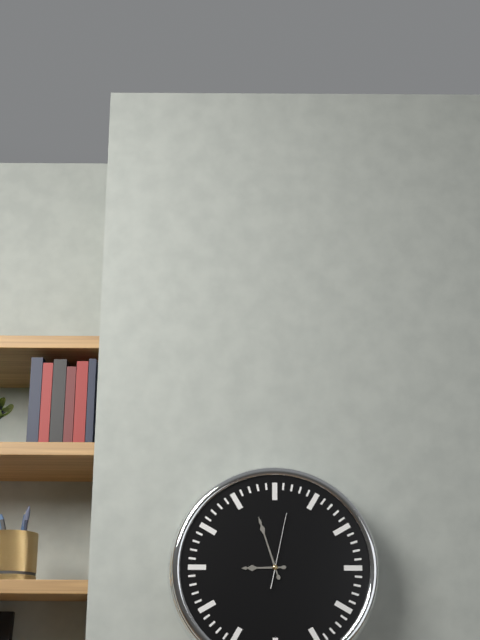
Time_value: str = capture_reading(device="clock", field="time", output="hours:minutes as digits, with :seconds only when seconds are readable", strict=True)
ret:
8:57:02
